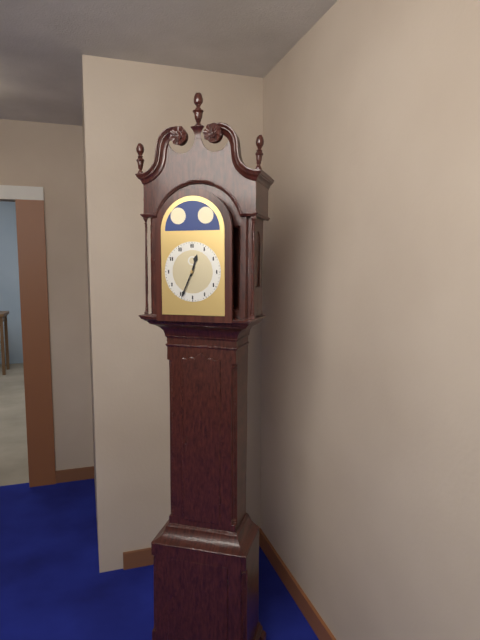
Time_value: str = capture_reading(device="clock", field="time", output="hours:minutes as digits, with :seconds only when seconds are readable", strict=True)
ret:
12:34
